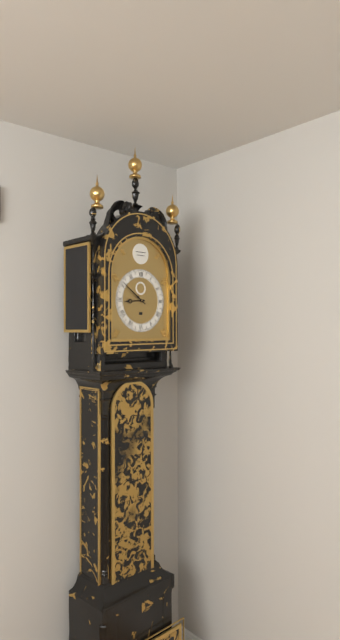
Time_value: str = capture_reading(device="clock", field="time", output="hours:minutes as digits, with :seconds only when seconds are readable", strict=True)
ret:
8:51
